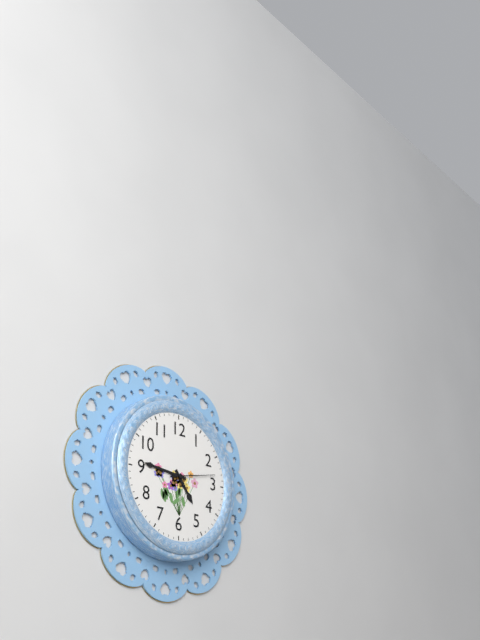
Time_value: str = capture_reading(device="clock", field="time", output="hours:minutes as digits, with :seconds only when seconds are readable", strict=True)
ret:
4:46
